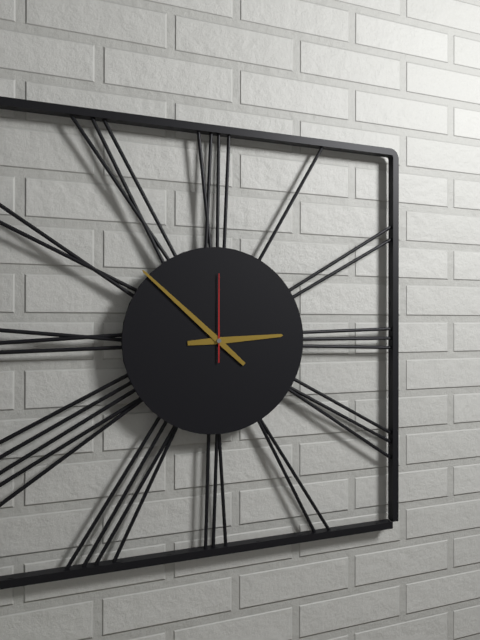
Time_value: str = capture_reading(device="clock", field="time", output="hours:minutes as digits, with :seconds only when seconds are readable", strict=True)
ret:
2:52:00
